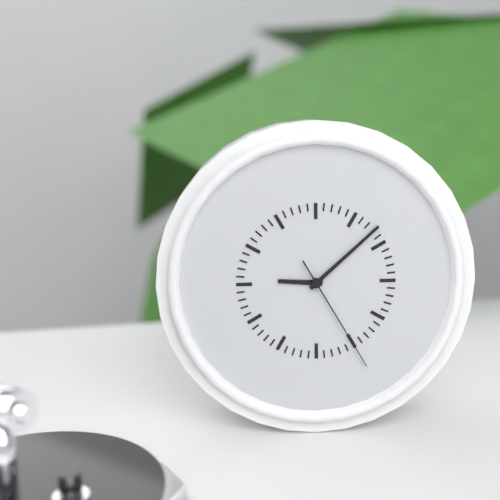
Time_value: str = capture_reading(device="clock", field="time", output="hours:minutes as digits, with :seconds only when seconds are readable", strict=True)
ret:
9:08:25
